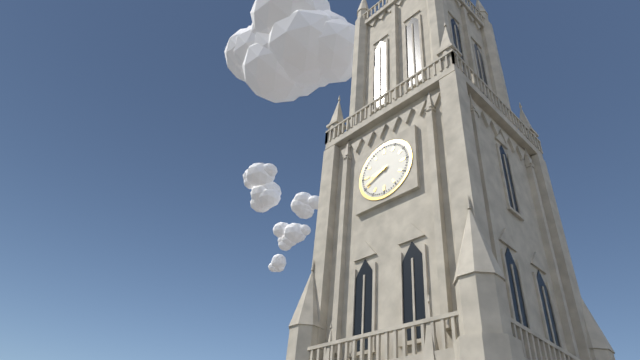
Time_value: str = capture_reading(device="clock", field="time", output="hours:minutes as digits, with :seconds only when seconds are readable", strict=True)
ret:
8:41
